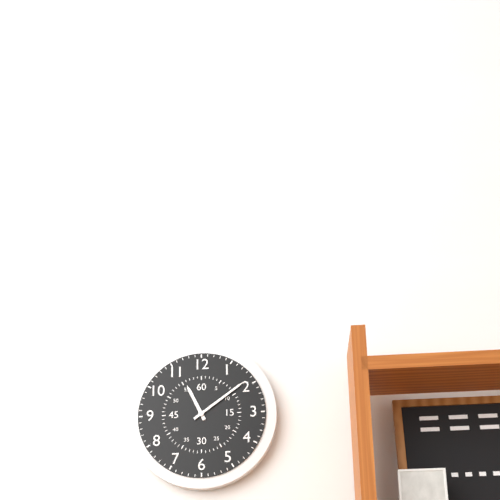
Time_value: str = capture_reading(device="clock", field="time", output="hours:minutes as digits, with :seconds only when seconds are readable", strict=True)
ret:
11:09
